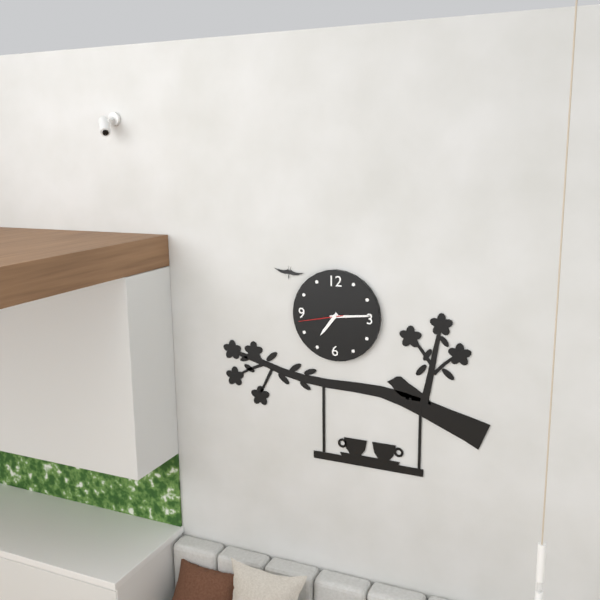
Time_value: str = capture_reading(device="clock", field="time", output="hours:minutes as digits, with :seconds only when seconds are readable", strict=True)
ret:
7:14
